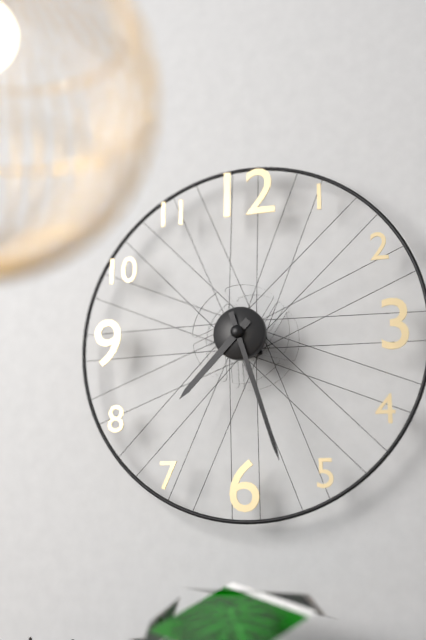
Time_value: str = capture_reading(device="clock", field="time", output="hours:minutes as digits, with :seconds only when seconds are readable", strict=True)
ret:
7:27
